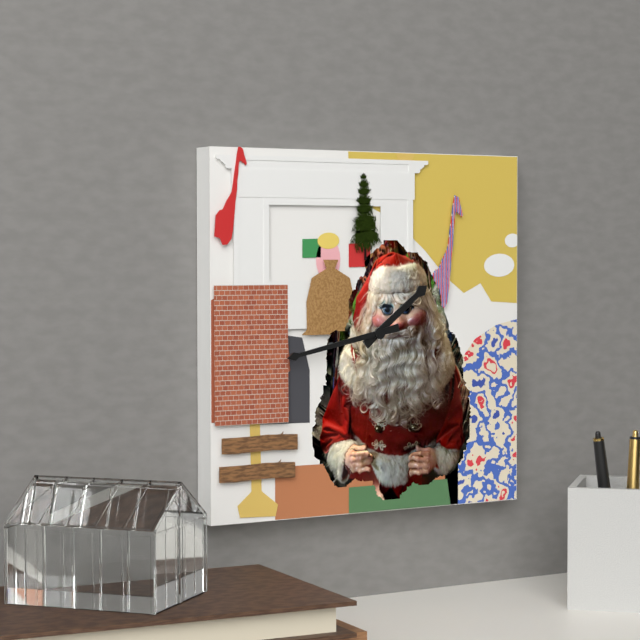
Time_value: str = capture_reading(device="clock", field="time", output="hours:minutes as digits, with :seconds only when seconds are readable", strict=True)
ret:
1:43
